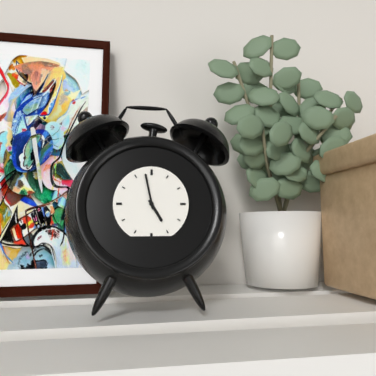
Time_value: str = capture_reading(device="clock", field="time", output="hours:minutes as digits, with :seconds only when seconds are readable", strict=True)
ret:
4:58
